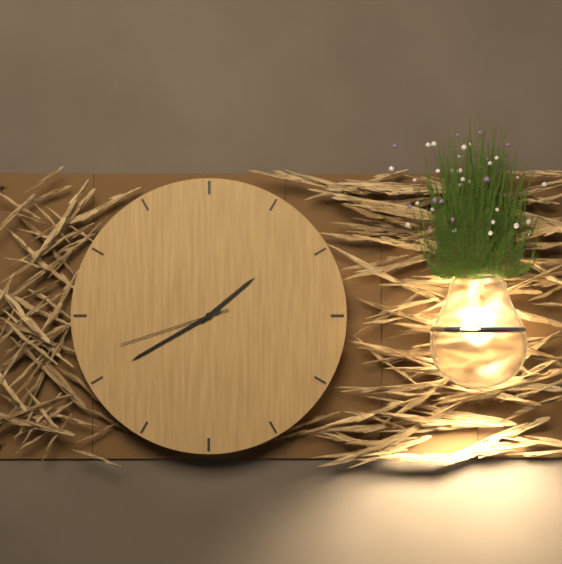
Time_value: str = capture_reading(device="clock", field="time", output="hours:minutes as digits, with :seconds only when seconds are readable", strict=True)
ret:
1:40:42
